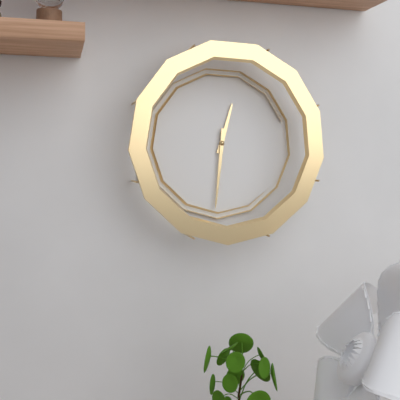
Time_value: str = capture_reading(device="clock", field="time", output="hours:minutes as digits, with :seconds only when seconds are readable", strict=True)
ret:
12:31
